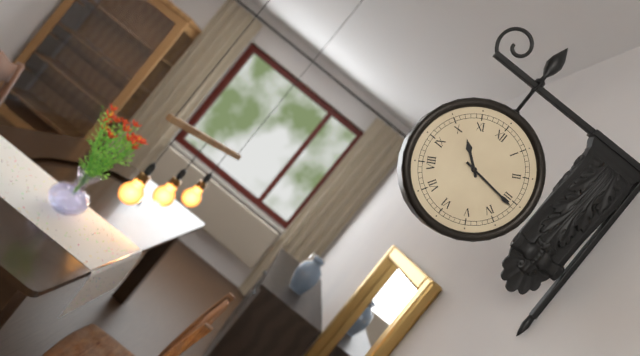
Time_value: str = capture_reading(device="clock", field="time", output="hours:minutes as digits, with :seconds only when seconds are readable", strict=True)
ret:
10:16
